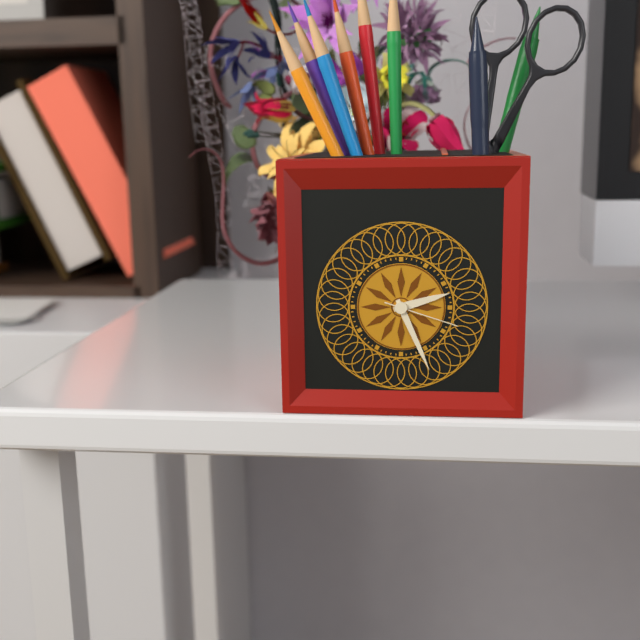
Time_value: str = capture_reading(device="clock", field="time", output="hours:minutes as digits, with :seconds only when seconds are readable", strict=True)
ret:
2:26:18
